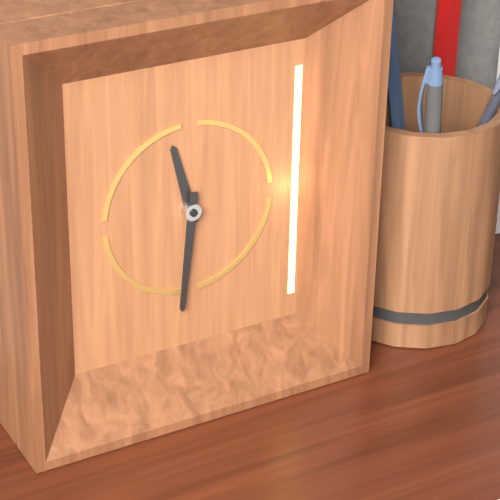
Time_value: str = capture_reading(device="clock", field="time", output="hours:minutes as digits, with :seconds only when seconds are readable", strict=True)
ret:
11:31
